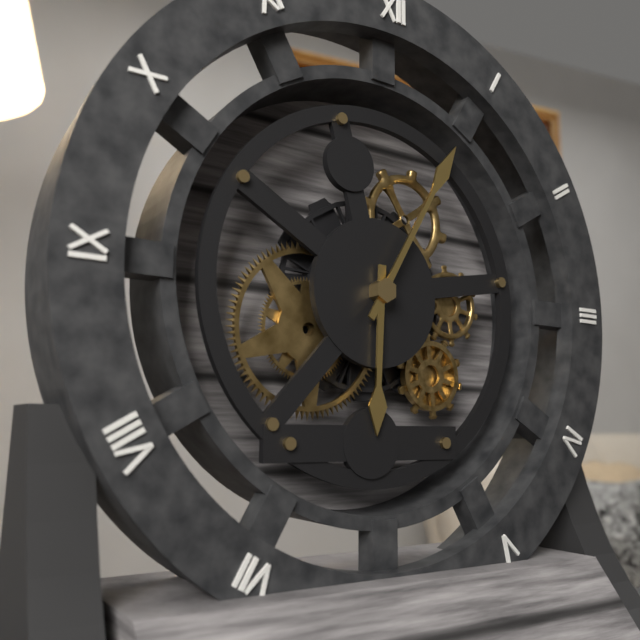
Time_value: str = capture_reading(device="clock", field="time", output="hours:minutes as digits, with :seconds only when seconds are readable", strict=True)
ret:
6:05
